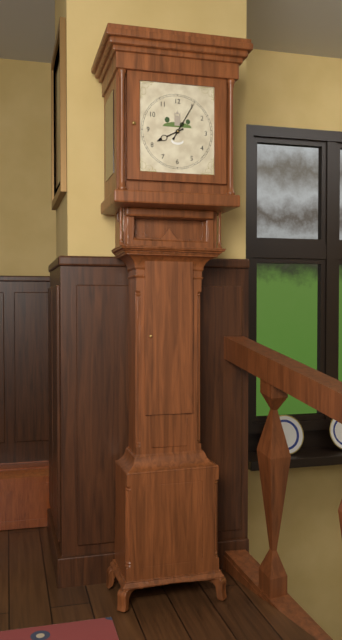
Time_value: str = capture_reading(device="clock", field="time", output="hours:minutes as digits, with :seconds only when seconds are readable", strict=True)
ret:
8:05
